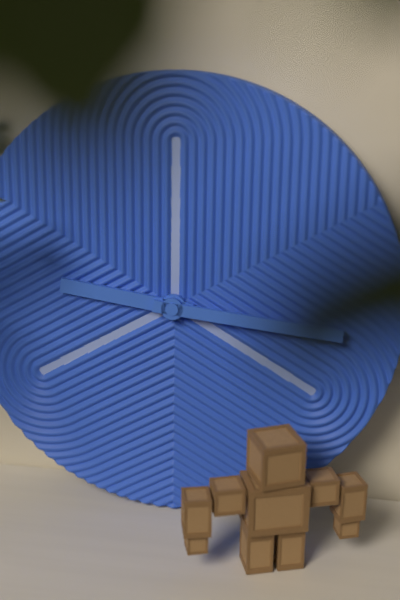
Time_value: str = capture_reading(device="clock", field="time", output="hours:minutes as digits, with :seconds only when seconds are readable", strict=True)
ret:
9:16
